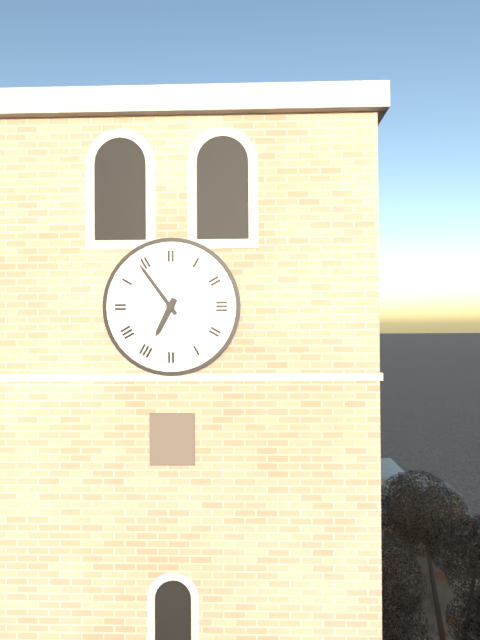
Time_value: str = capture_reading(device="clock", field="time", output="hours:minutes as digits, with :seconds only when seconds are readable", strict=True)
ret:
6:54
